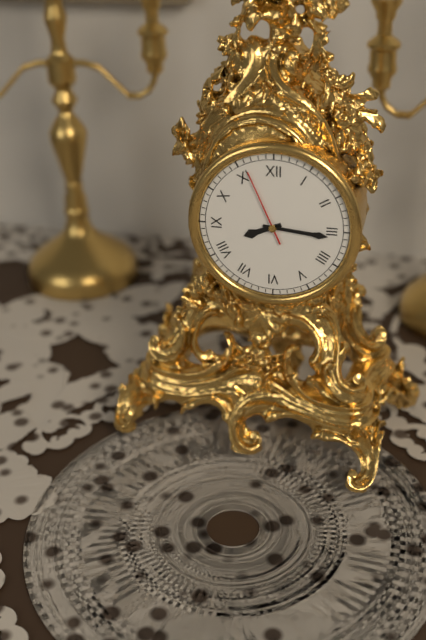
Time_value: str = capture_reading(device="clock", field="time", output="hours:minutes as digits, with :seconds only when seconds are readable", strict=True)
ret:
8:16:56
